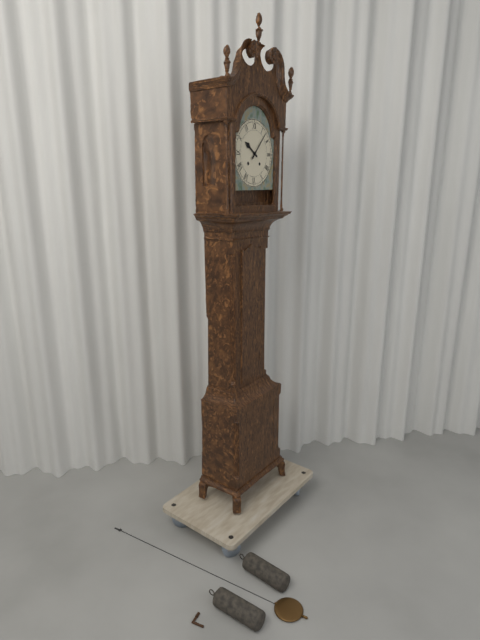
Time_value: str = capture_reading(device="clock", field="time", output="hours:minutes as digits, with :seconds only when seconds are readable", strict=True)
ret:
10:07
